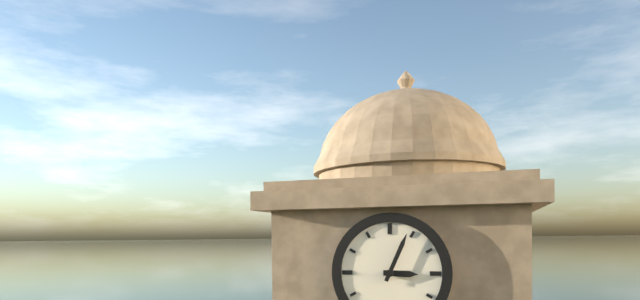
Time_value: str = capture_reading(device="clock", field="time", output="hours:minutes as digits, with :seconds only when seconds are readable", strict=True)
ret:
3:04
